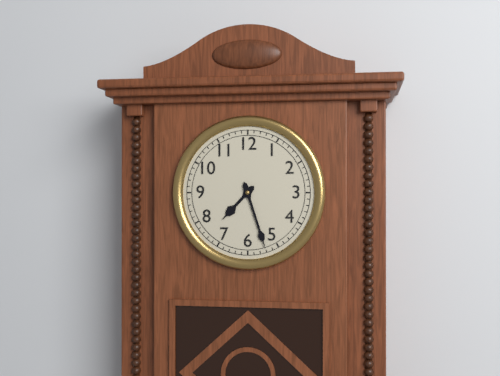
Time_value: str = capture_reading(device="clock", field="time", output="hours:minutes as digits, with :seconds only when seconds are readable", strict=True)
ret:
7:27
